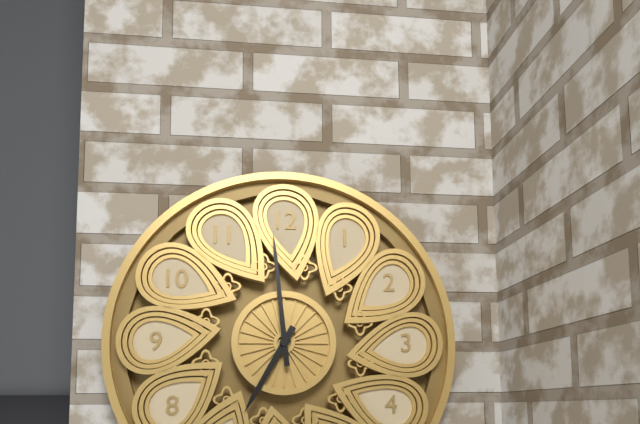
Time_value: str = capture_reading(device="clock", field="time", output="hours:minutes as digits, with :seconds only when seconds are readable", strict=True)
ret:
6:59
